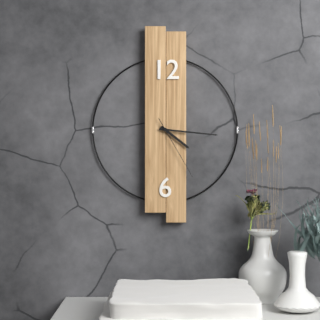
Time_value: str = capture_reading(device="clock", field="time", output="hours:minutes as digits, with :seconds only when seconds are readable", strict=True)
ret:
4:16:25
